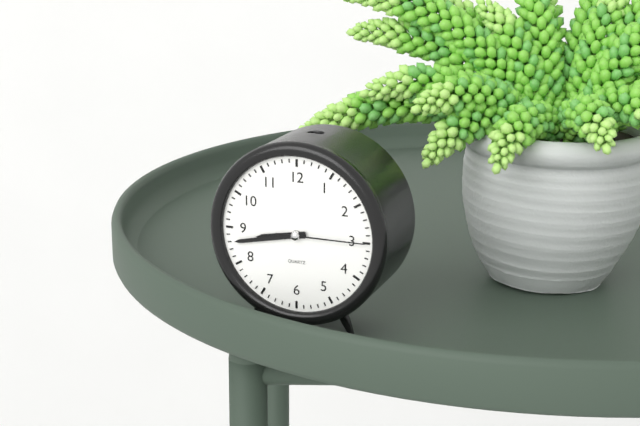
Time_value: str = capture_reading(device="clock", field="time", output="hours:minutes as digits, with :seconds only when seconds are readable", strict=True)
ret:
8:43:15
